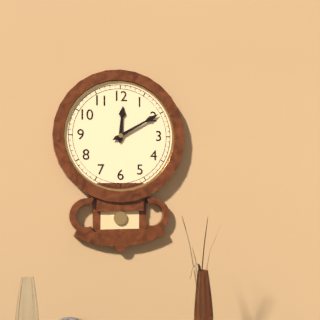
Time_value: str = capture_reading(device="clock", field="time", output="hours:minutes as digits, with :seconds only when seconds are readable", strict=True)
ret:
12:10
